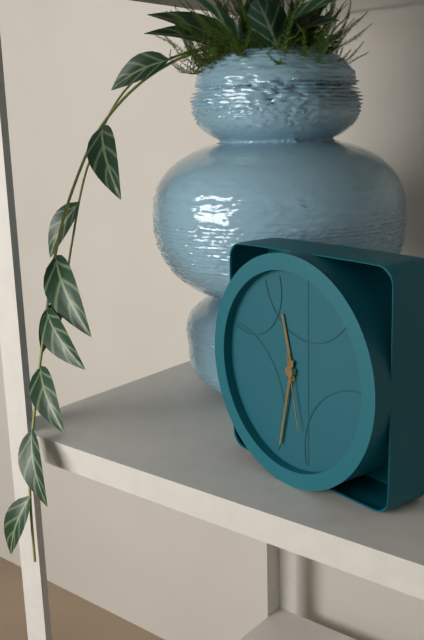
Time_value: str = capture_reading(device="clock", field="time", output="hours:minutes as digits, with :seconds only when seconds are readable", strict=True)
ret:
11:32:28
